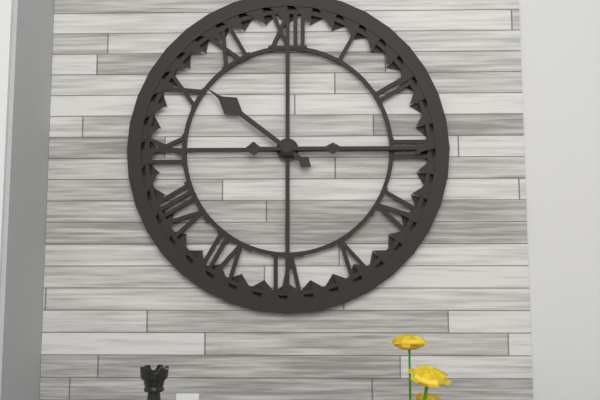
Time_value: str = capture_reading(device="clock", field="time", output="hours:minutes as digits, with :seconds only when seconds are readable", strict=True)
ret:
10:15
